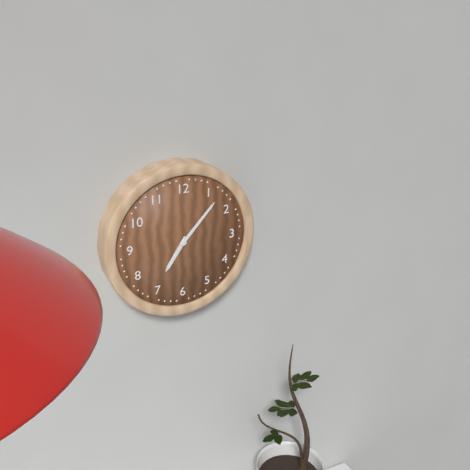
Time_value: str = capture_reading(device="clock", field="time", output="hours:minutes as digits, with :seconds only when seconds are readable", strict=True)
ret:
7:07
